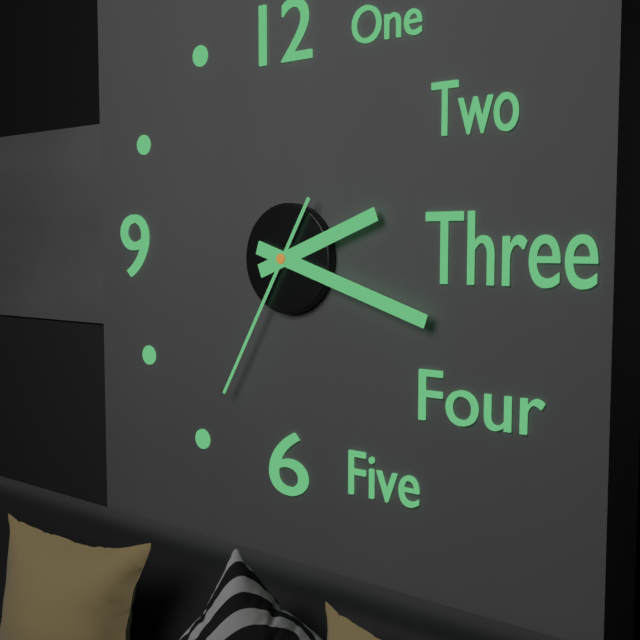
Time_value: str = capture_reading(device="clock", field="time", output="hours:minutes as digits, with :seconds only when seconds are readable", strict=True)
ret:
2:18:35
